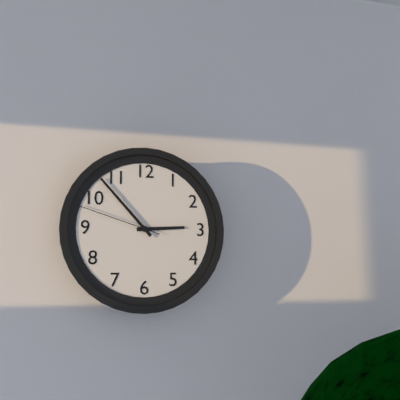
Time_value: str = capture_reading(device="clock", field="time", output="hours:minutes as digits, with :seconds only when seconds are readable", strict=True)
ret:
2:53:48
